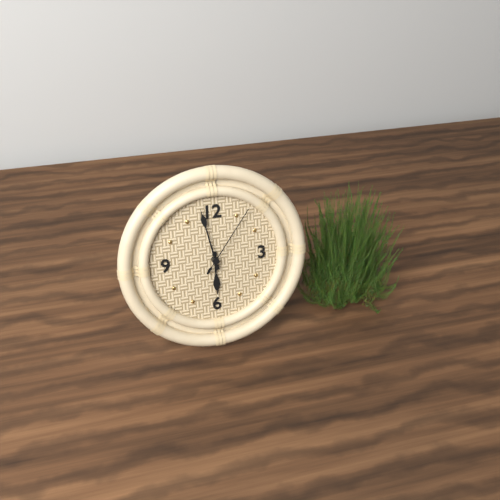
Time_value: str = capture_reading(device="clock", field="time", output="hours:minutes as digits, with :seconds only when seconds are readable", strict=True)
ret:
5:58:06
